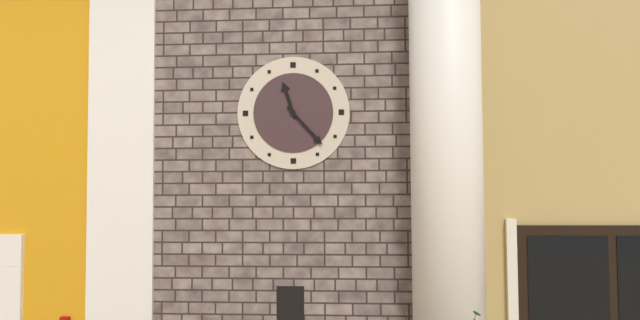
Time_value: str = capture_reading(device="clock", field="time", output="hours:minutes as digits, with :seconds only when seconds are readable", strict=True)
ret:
11:23
